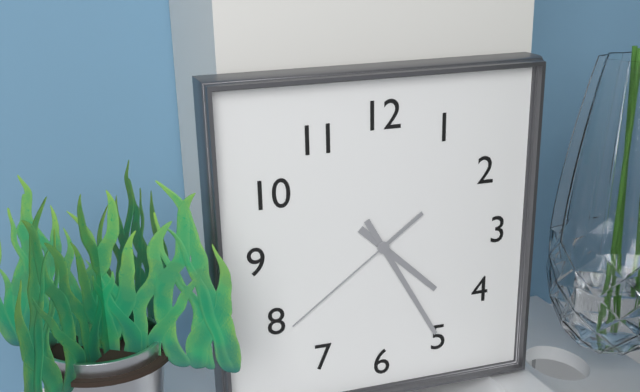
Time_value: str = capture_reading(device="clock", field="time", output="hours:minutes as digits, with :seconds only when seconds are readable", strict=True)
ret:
4:25:39
